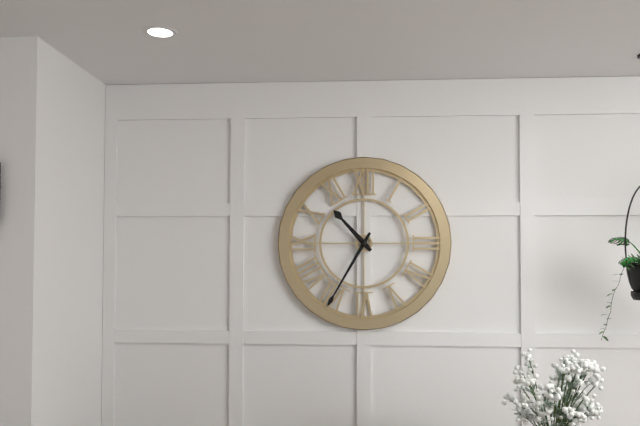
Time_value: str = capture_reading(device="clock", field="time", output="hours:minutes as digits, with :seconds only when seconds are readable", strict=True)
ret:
10:35
